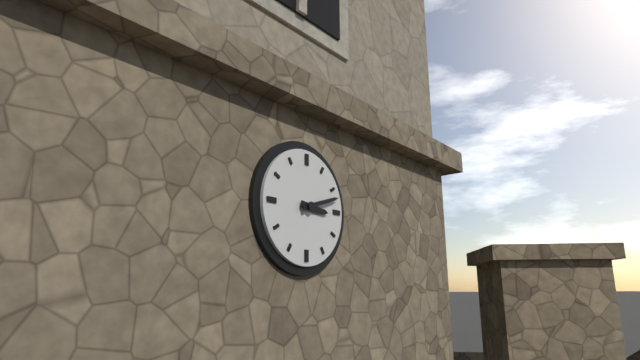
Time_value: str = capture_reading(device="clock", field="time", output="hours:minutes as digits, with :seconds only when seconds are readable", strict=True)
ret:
3:12
